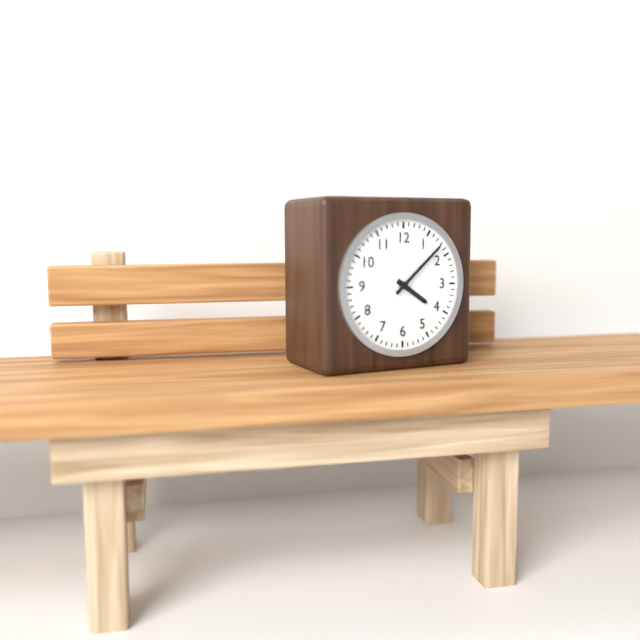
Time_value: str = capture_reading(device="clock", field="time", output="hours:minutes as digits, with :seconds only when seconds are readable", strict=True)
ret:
4:08
